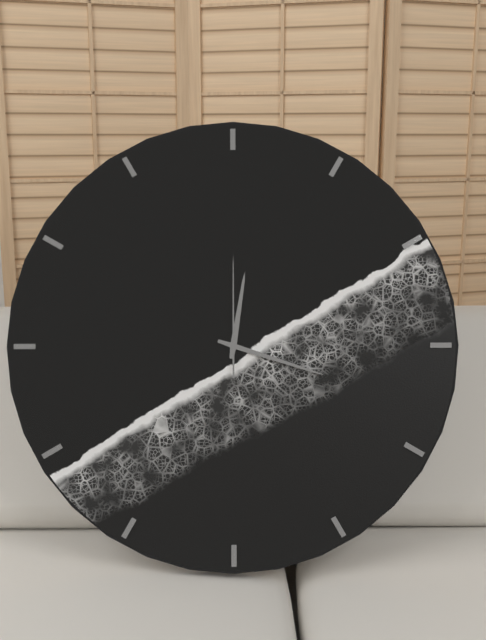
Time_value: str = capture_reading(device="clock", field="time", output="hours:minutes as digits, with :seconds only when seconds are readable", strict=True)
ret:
12:18:00
